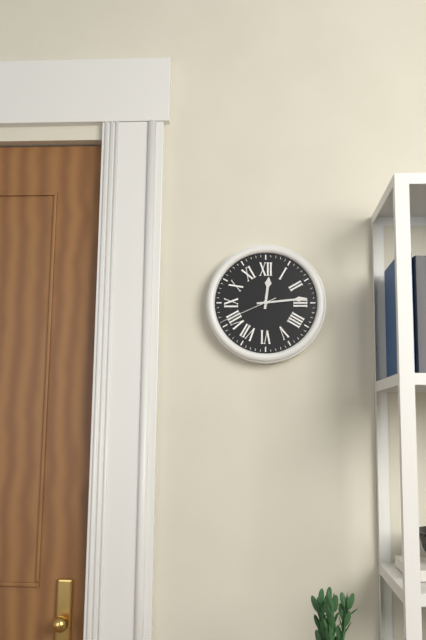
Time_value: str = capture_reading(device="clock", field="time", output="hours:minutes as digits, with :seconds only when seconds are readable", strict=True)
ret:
12:14:41
